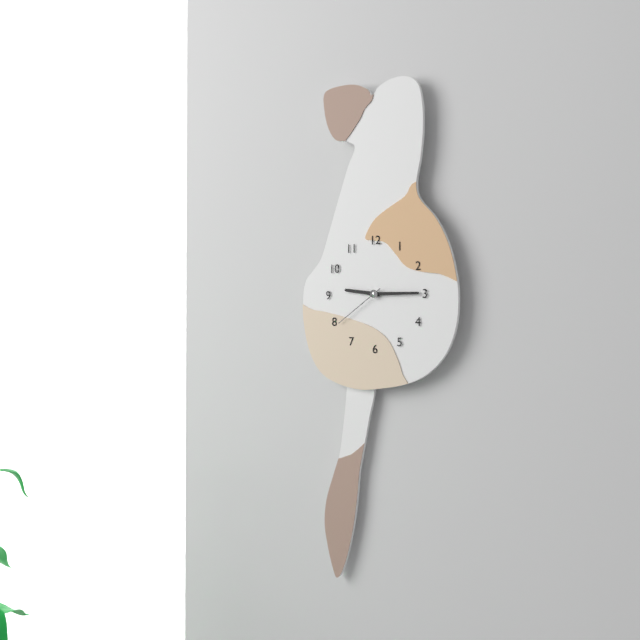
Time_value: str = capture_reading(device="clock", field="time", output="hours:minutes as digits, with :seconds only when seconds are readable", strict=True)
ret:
9:15:39
